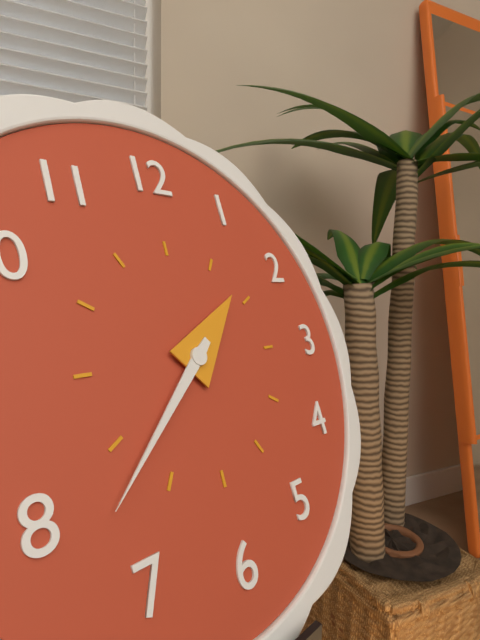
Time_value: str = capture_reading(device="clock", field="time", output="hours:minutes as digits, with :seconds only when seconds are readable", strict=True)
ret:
1:38
